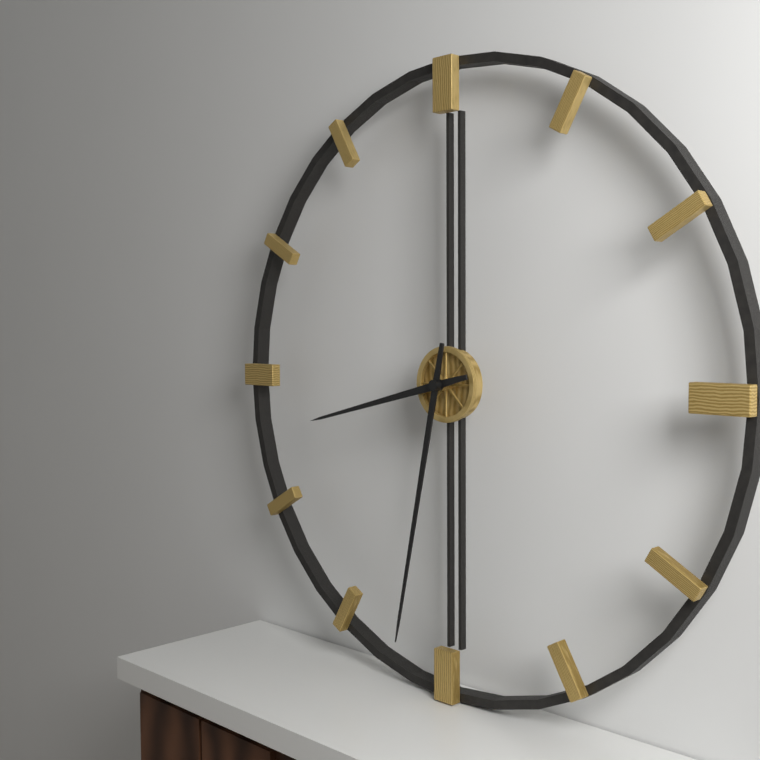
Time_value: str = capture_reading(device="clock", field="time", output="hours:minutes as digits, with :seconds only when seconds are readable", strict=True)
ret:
8:32
